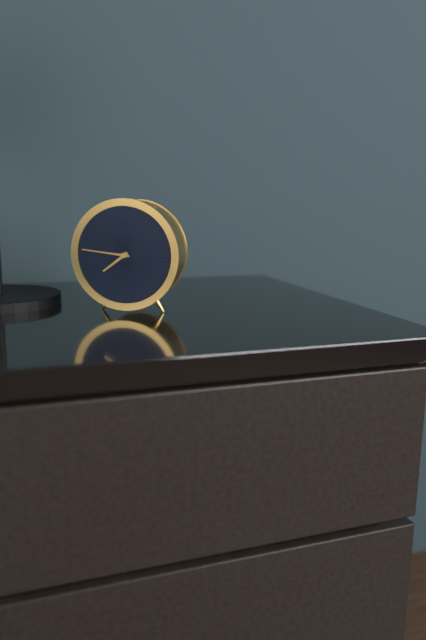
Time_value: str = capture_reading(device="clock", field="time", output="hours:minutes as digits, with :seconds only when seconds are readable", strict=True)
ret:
7:46
